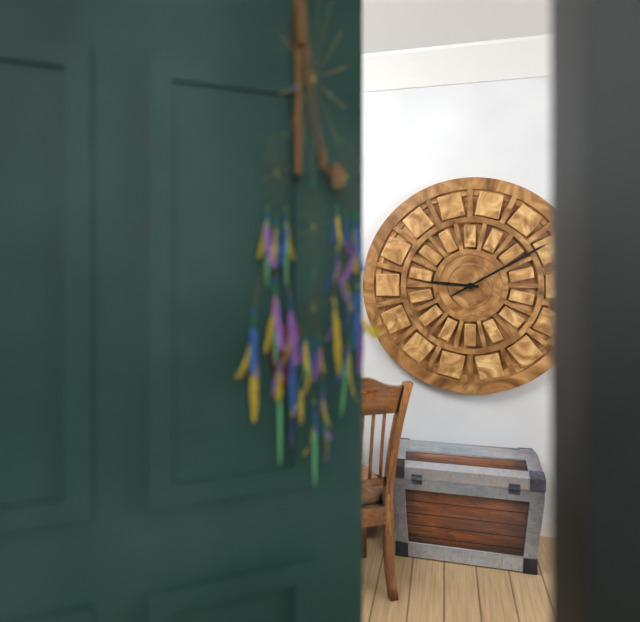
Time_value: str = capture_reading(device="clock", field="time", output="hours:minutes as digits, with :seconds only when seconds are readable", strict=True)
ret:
9:10
